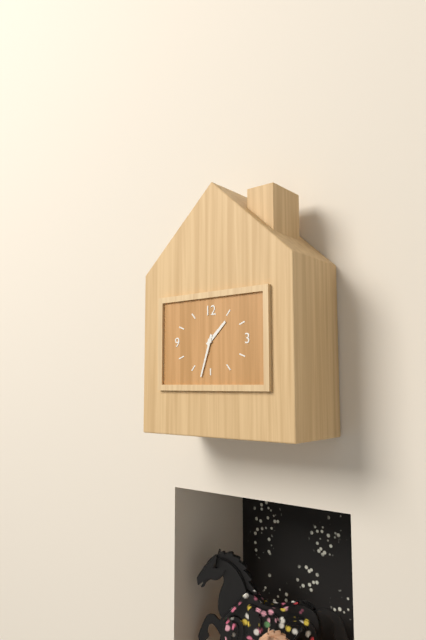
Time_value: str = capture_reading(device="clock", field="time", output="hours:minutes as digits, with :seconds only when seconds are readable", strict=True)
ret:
1:33
